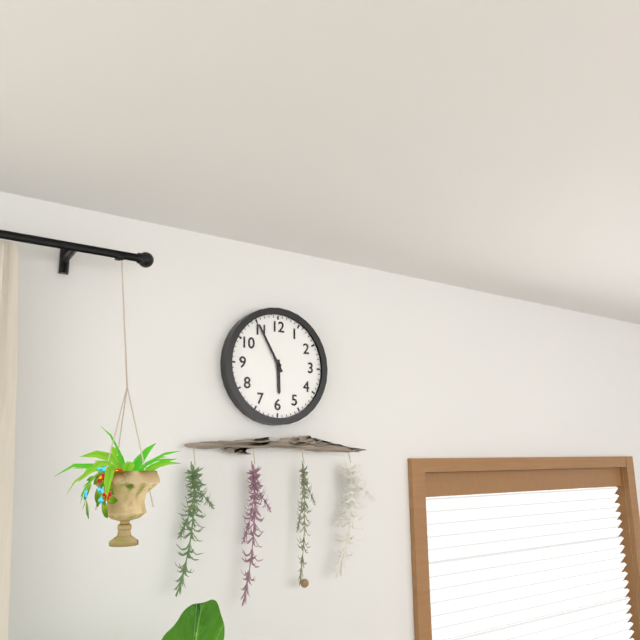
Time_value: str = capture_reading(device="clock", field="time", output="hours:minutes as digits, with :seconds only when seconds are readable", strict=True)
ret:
5:55
